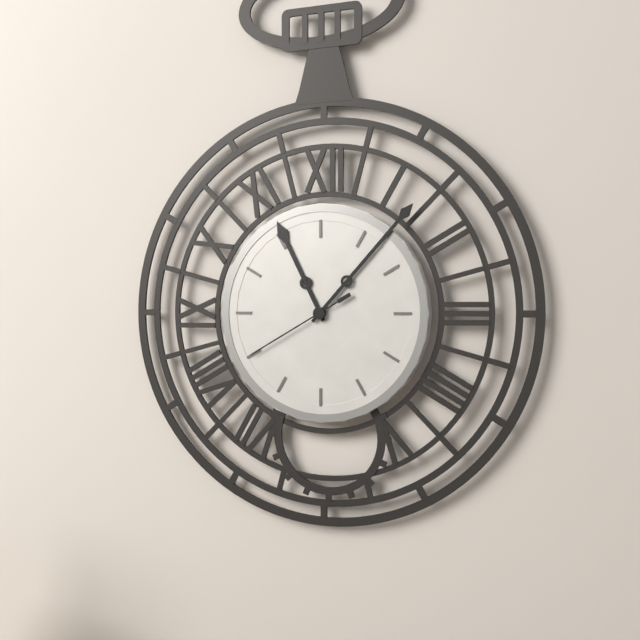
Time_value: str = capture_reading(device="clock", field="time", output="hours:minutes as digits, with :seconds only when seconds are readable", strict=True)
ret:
11:07:40
